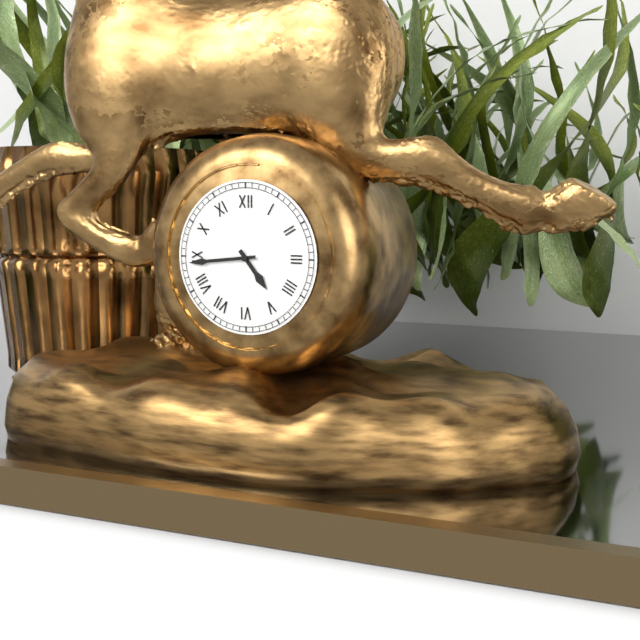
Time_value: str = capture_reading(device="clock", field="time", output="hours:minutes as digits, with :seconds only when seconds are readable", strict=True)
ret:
4:44
